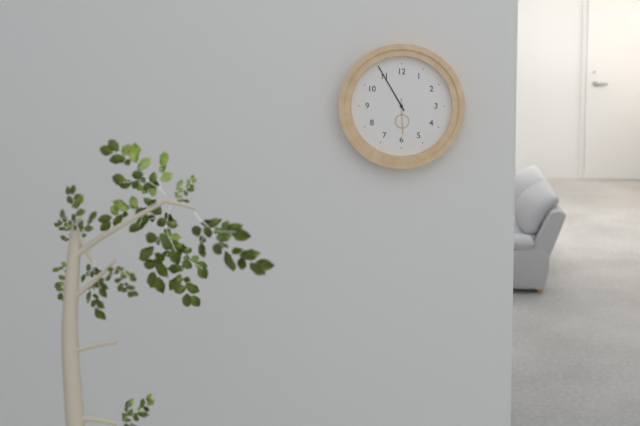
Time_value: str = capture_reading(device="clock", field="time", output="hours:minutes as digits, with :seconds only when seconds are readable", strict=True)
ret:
5:55
